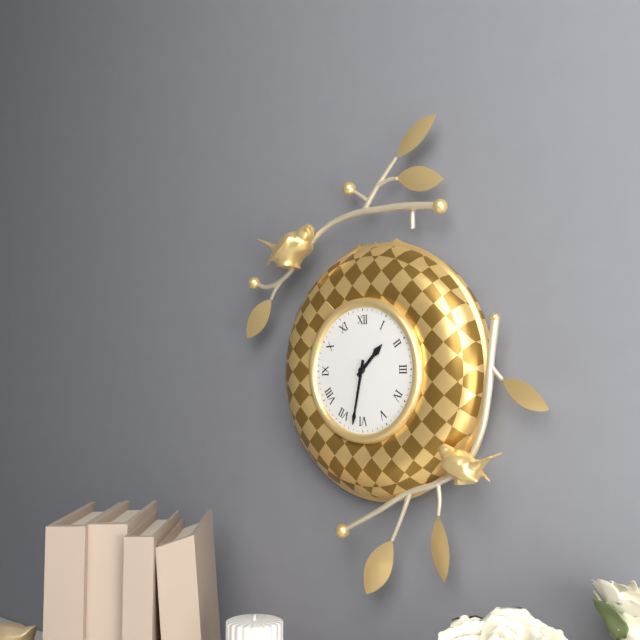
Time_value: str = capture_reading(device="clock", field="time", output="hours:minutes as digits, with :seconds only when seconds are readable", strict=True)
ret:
1:32
